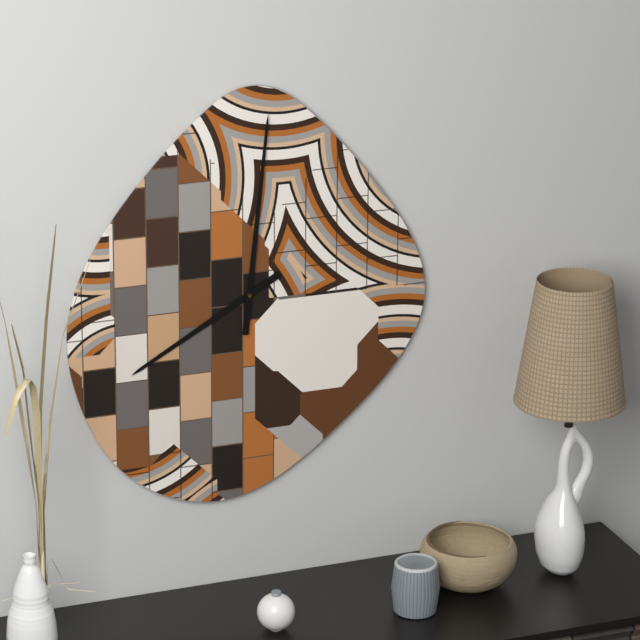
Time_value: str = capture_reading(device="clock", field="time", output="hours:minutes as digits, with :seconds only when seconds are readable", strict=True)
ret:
8:01
